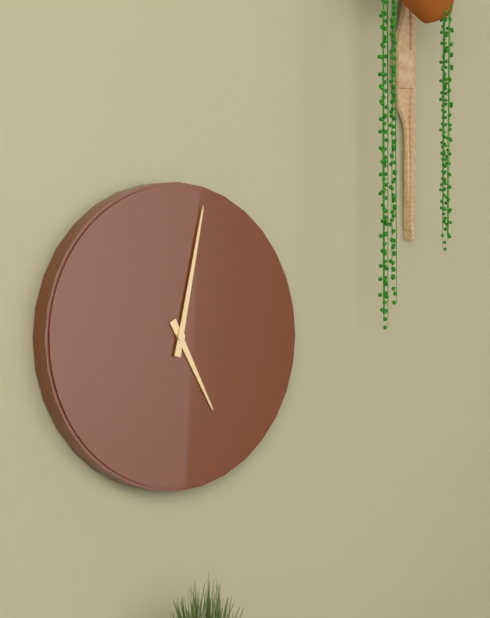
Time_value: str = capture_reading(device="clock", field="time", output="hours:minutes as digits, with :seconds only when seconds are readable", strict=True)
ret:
5:02
